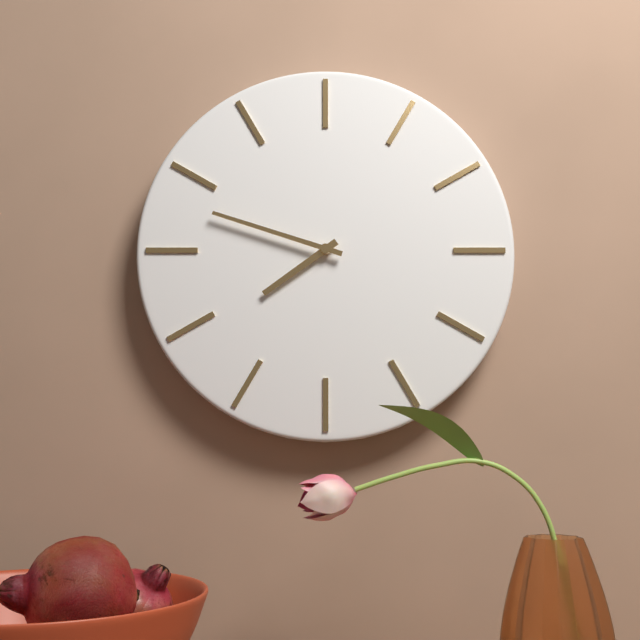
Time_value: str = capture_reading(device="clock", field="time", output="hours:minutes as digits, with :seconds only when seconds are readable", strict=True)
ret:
7:48
